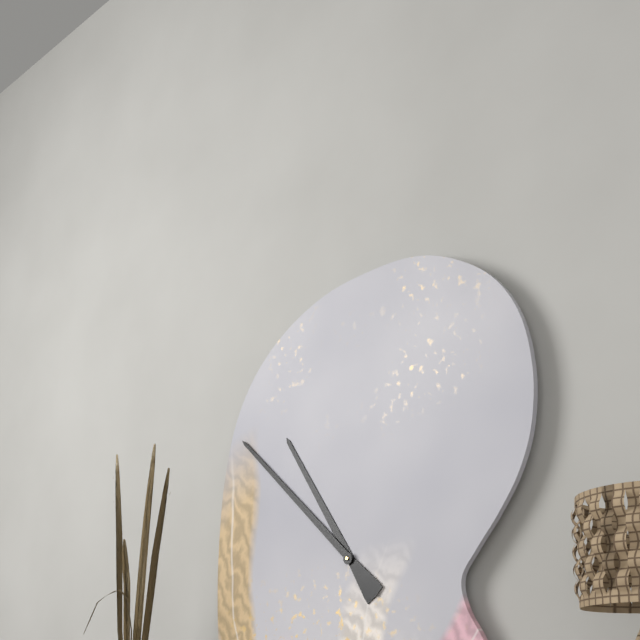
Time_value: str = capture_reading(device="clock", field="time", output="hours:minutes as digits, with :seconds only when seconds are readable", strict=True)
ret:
10:52
